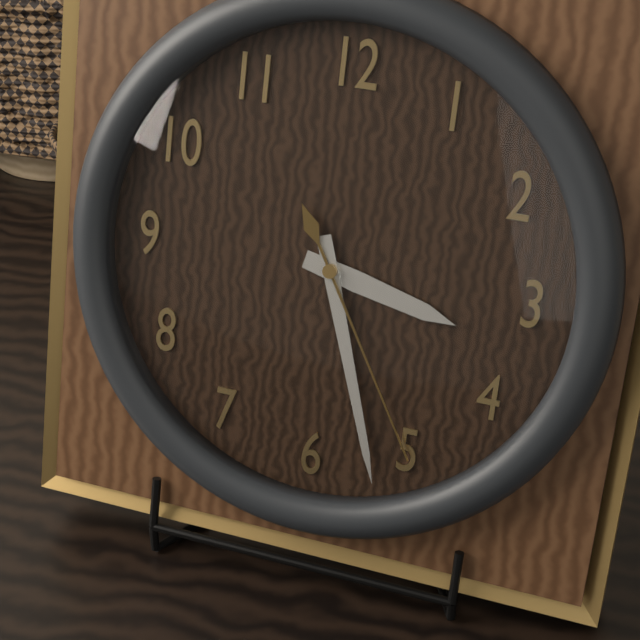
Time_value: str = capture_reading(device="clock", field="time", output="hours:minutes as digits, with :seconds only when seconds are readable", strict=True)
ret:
3:27:25
